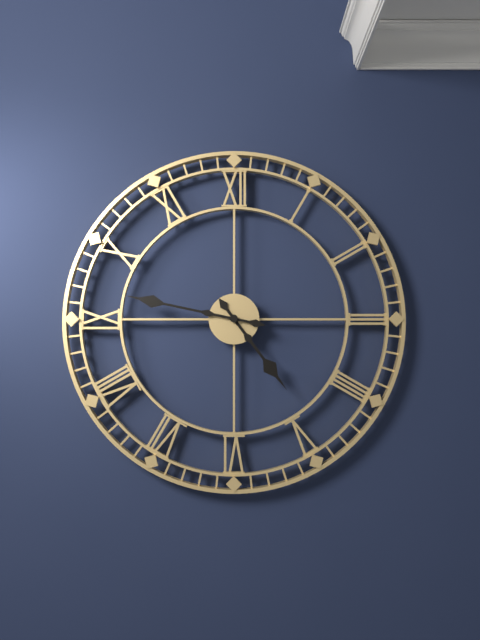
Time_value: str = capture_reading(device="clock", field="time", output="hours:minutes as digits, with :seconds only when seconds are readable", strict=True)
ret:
4:47
